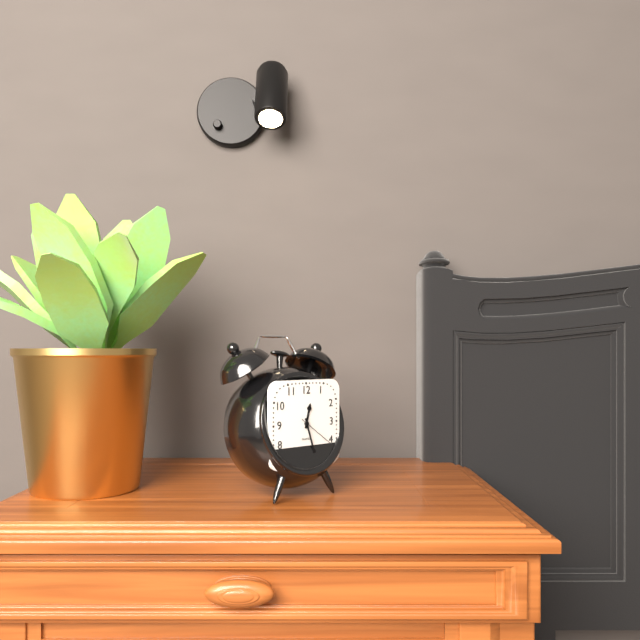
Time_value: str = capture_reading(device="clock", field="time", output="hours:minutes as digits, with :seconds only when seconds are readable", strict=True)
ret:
12:27
